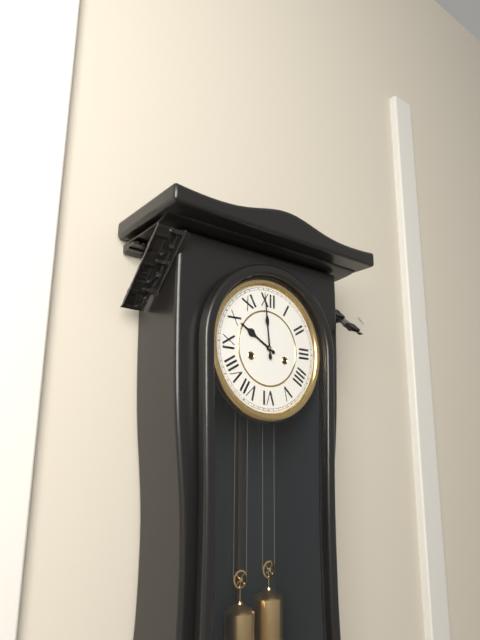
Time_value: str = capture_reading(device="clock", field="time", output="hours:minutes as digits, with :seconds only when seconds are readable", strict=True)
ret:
9:59
